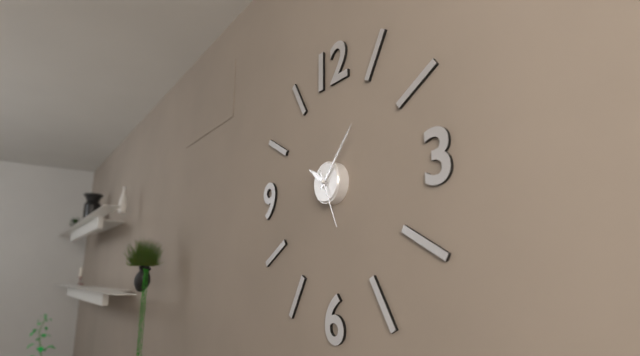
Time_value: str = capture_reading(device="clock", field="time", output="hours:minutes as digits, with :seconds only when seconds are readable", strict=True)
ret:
10:07:26
